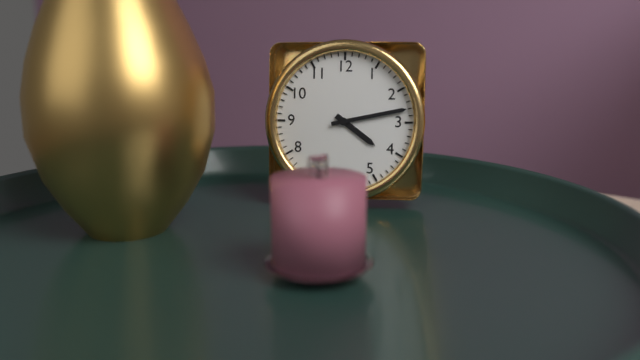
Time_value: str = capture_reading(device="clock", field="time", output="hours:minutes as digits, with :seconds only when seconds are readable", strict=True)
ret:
4:13
